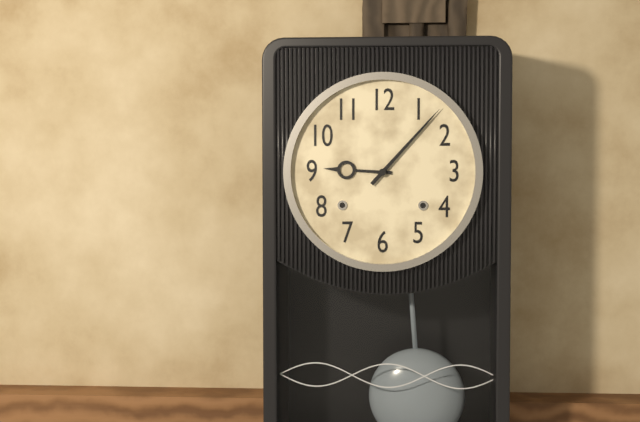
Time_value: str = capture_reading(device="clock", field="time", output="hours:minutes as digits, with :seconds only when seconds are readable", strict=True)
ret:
9:07
